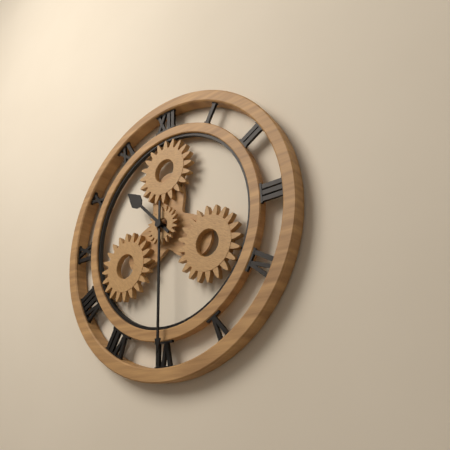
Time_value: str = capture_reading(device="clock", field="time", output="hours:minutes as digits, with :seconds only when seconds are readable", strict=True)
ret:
10:30
